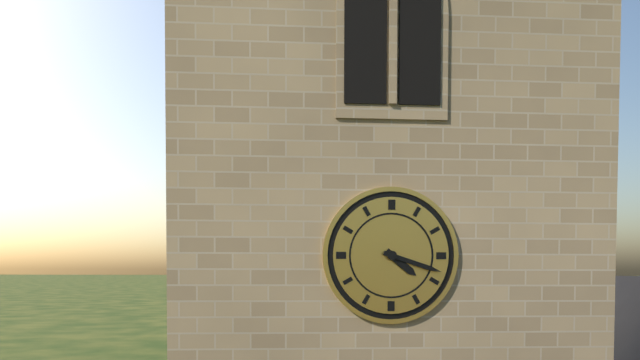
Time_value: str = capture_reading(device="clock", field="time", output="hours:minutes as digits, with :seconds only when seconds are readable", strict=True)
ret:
4:18
